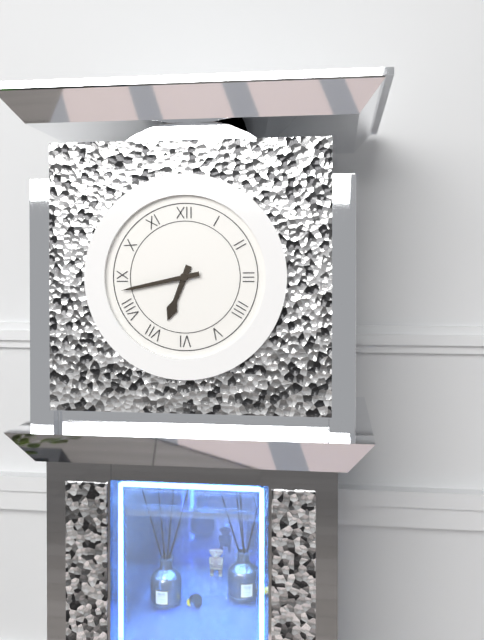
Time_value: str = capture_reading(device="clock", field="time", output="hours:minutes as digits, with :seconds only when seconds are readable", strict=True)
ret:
6:43
